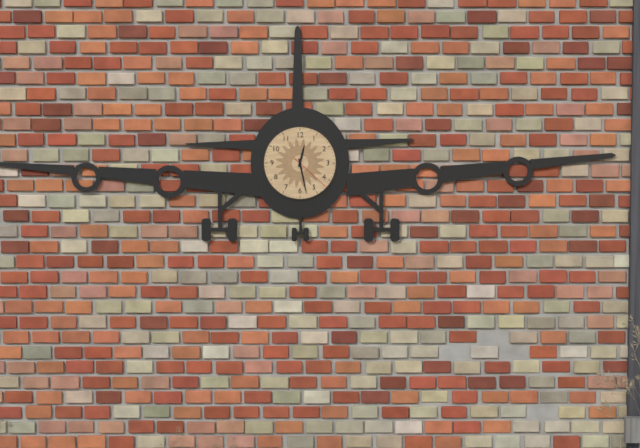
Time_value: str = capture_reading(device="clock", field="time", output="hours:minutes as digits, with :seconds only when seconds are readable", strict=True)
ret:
12:28
